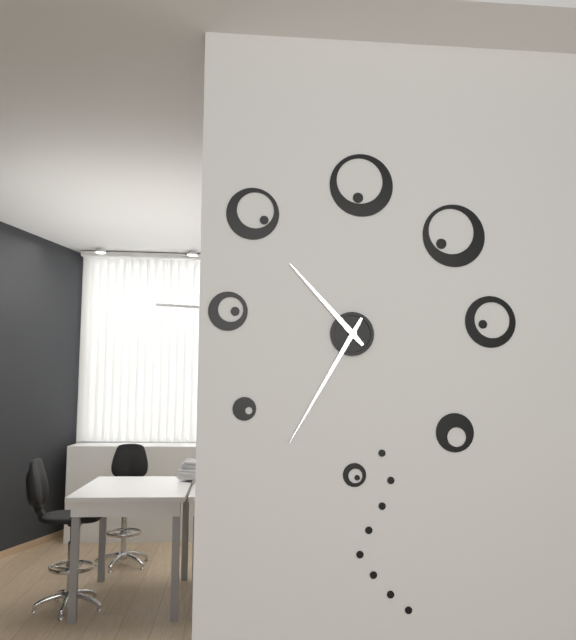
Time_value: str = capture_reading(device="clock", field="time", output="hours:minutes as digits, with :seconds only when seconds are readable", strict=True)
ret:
10:35
